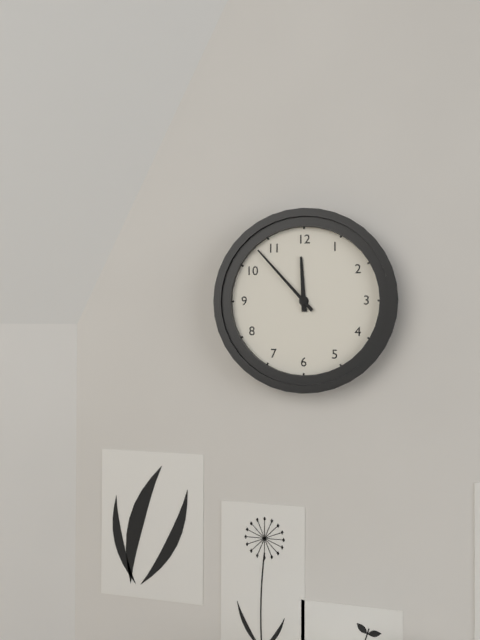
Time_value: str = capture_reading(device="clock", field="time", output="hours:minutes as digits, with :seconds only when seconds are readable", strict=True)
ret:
11:53
